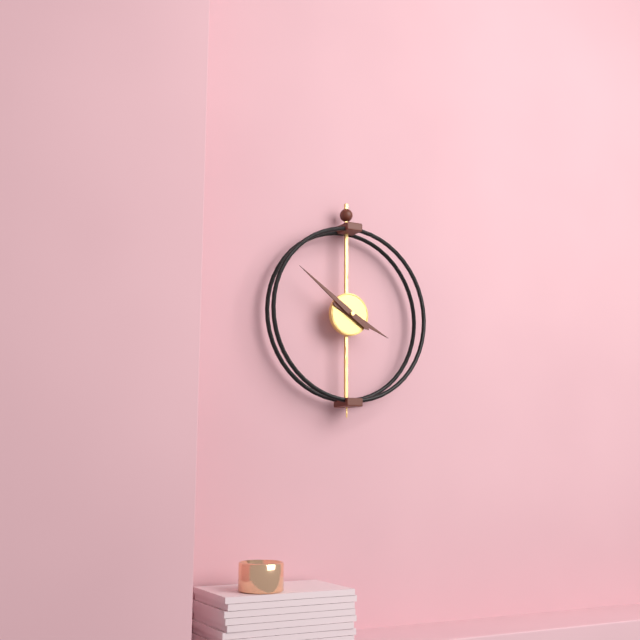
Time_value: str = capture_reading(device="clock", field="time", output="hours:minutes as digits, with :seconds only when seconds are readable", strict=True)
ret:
3:51
